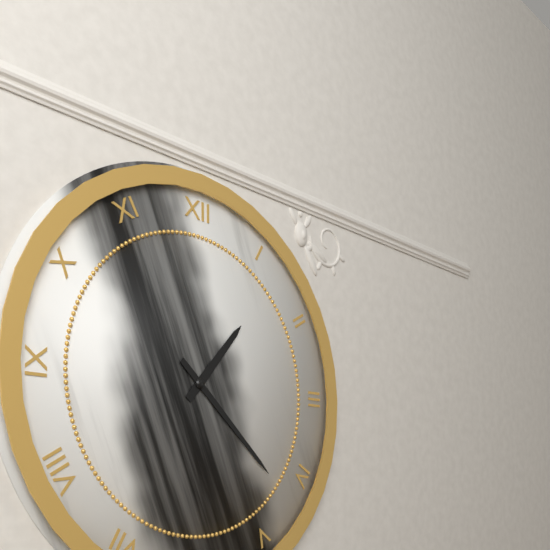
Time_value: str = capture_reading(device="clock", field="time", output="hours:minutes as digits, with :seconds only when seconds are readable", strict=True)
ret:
1:22
